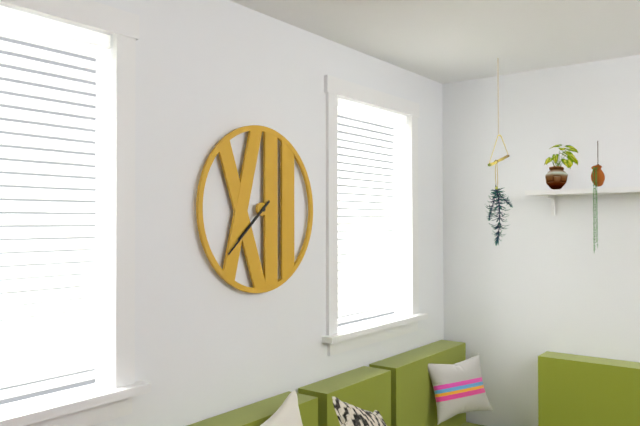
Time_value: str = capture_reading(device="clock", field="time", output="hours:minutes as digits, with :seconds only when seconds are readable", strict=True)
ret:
7:38
